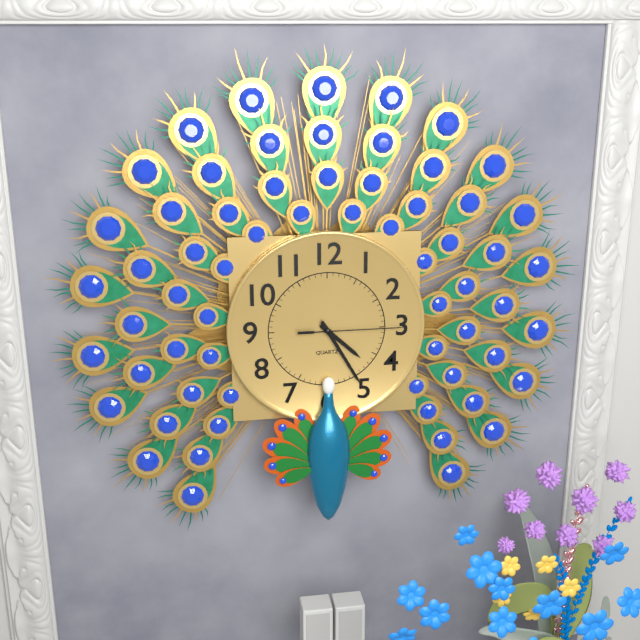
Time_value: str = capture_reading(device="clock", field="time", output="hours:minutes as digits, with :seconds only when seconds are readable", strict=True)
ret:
4:25:15
